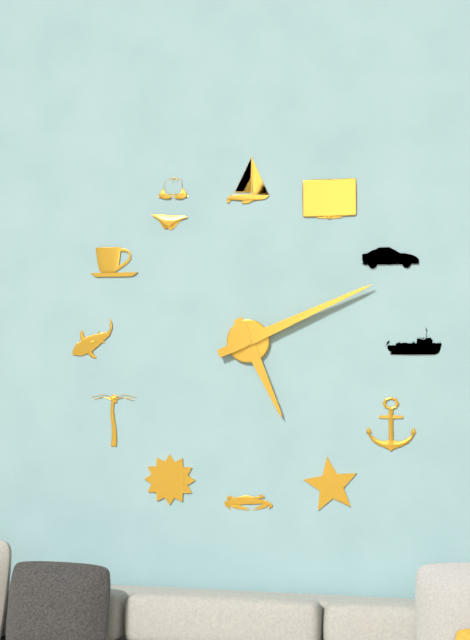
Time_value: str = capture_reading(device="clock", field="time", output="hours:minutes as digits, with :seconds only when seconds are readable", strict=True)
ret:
5:11
